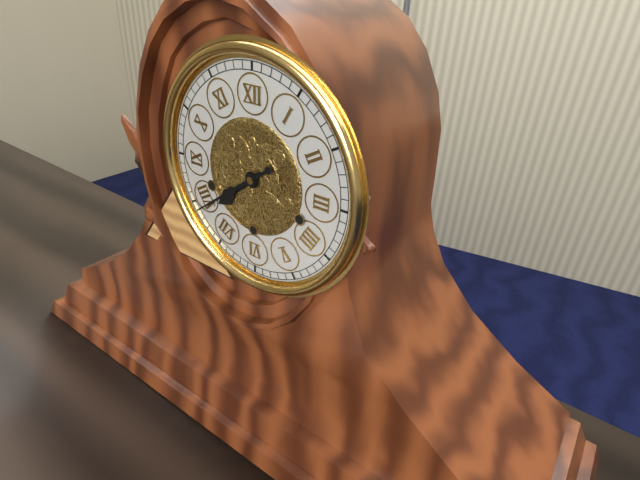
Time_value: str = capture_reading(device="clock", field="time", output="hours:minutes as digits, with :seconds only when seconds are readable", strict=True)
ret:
7:39
